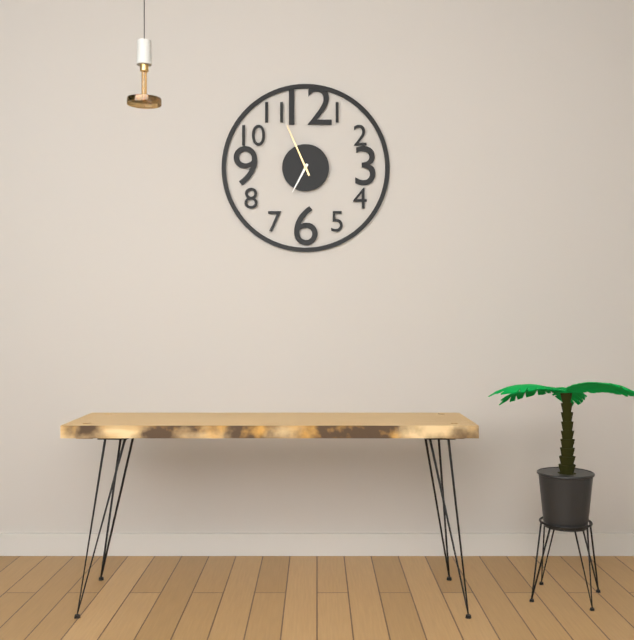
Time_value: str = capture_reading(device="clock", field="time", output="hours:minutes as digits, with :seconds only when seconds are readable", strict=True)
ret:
6:56
